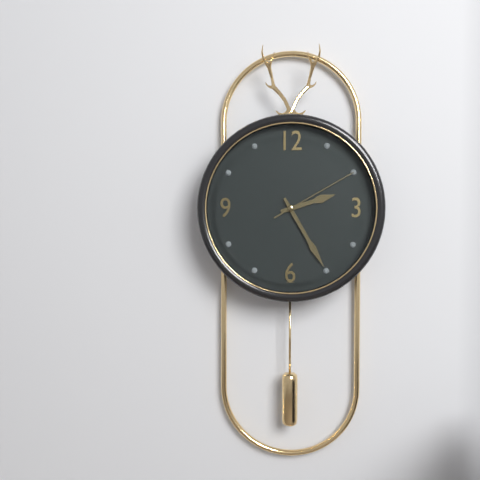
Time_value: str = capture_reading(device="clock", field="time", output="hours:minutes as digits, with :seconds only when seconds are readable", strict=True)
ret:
2:25:10
